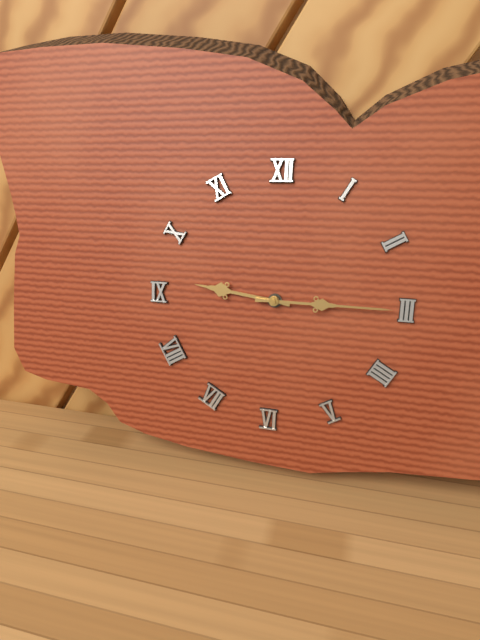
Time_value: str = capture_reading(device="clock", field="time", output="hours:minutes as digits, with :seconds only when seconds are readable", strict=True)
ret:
9:15
